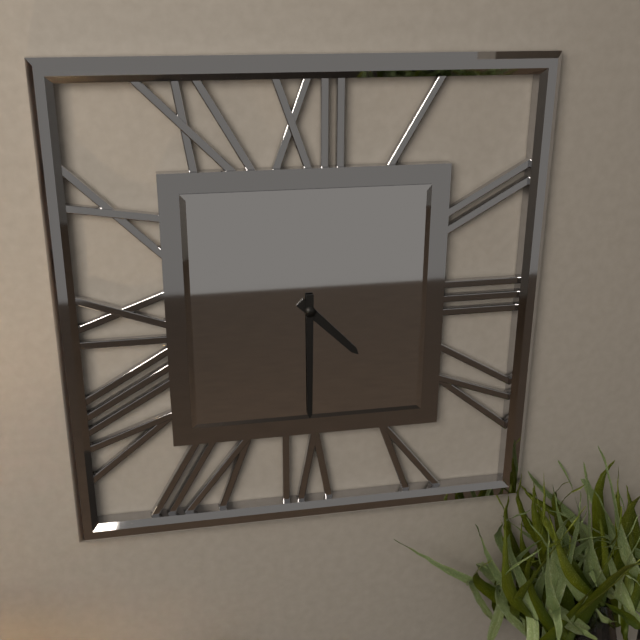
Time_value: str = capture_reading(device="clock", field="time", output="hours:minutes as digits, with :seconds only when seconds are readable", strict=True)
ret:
4:30
